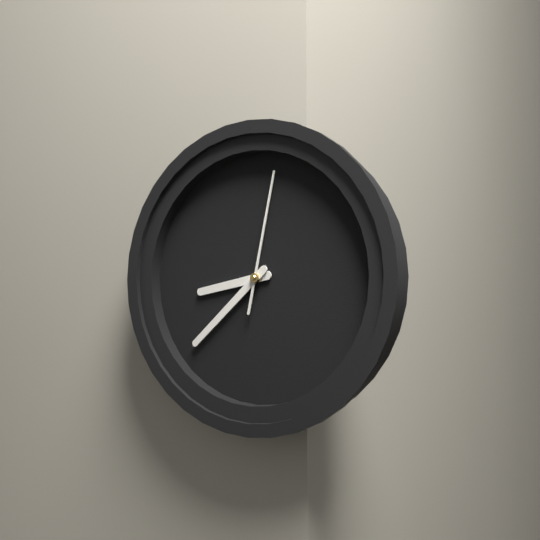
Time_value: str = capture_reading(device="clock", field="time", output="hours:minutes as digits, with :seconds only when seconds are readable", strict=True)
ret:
8:38:02
